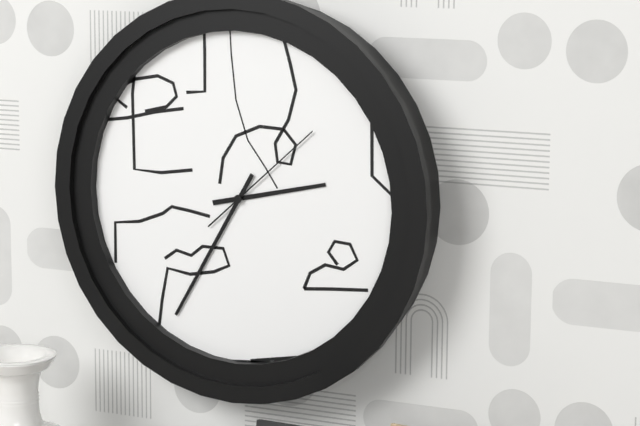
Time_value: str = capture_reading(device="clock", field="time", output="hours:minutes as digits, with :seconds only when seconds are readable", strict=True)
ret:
2:35:08
